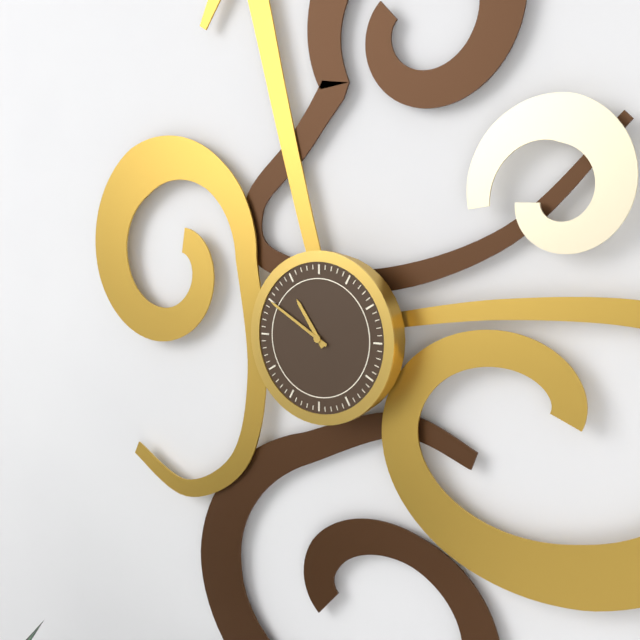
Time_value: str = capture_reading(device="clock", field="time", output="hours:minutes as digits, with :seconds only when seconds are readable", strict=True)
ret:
10:50
